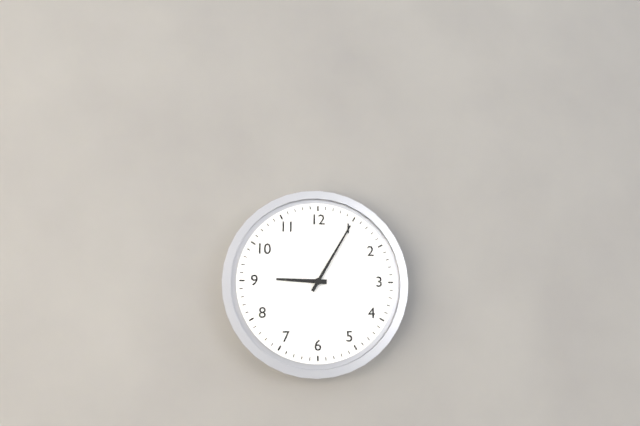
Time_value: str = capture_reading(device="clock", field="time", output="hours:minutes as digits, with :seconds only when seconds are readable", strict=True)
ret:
9:05
